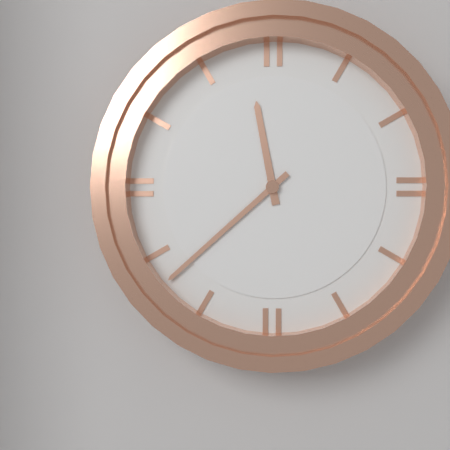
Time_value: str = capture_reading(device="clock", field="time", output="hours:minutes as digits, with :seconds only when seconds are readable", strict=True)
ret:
11:38
